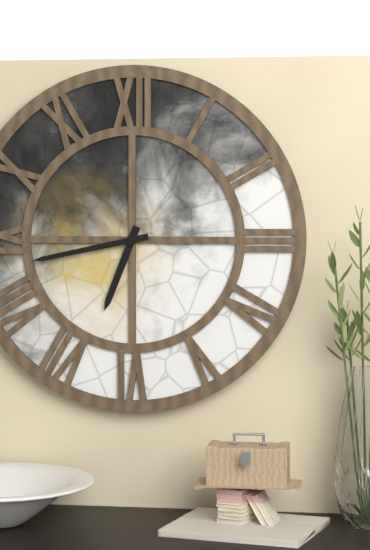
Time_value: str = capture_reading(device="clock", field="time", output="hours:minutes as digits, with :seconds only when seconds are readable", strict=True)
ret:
6:43
